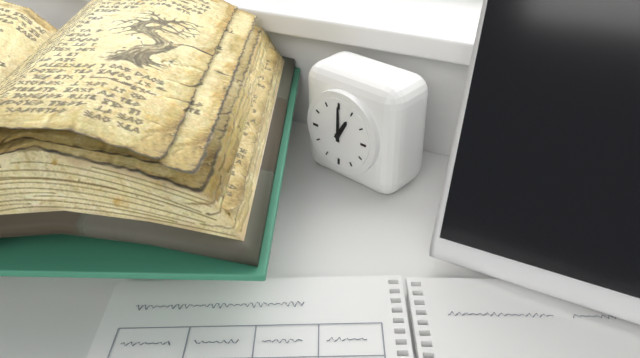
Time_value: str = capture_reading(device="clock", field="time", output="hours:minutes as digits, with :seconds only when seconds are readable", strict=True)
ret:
1:00
